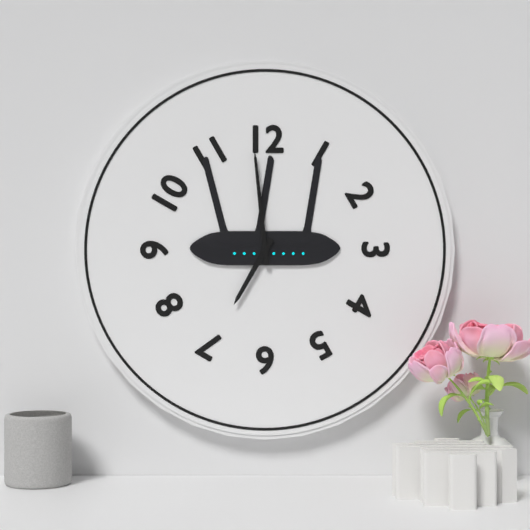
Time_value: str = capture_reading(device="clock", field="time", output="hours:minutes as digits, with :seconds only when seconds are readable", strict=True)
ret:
6:59
